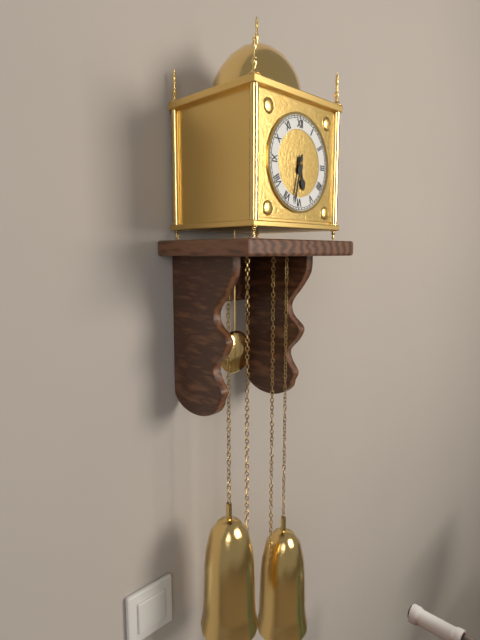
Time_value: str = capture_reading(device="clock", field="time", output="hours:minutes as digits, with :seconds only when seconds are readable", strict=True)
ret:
5:32
